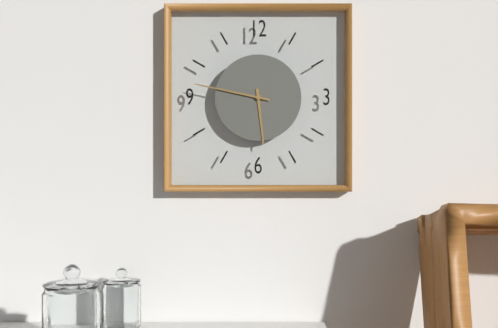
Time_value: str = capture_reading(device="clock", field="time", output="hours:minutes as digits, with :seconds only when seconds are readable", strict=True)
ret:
5:47
